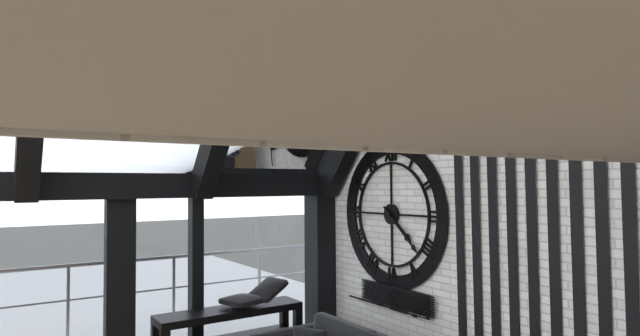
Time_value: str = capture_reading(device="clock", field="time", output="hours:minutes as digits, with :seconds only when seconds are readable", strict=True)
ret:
4:22
